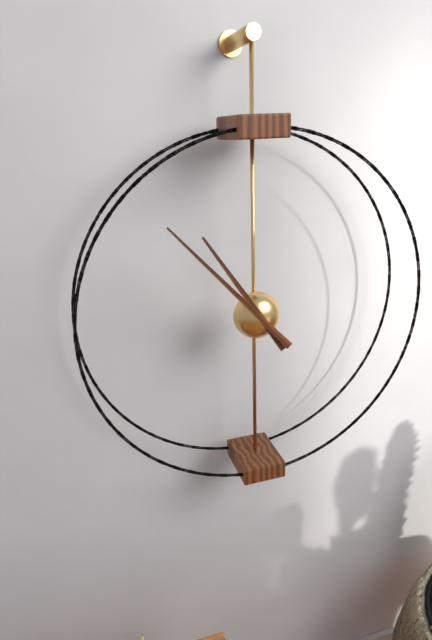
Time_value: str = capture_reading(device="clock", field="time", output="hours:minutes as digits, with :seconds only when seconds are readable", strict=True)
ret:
10:53
